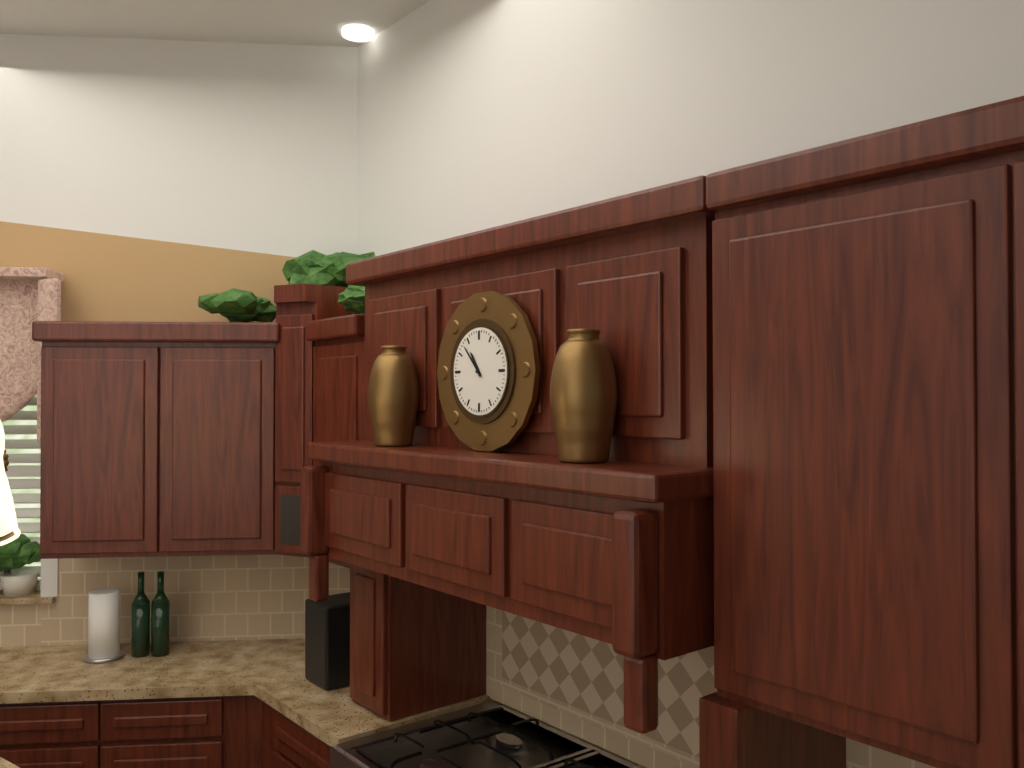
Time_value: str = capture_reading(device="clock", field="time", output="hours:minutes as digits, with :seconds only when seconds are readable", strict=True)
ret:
10:53
